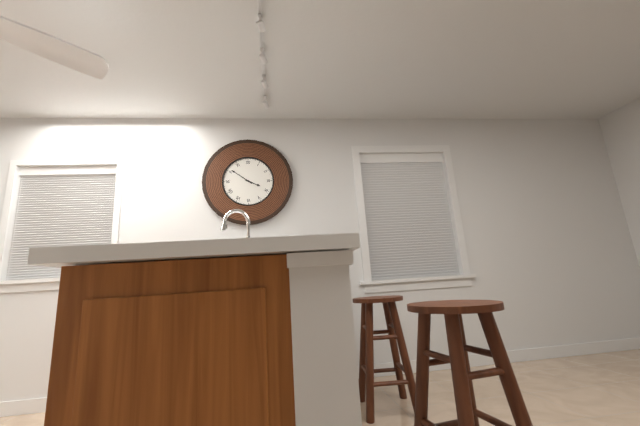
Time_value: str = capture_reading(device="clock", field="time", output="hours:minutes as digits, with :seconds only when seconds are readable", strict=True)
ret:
3:51
